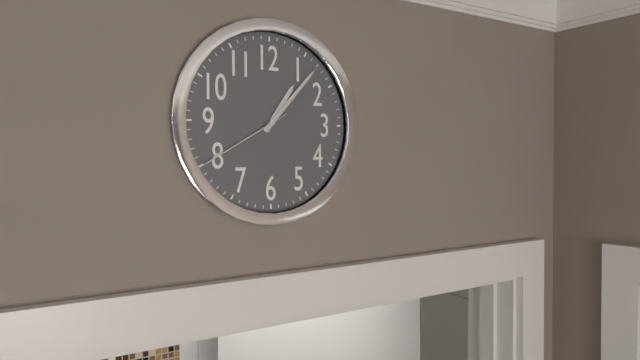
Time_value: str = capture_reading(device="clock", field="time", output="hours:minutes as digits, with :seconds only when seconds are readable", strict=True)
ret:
1:07:40
